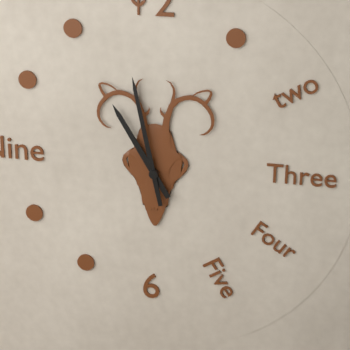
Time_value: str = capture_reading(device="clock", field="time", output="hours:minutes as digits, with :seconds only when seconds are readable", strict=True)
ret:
10:58
